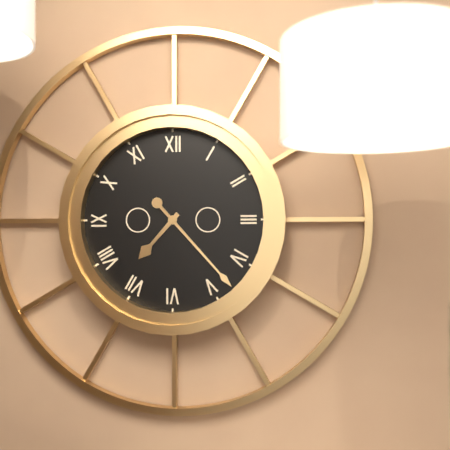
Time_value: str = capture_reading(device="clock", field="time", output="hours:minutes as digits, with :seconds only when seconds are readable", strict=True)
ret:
7:23
